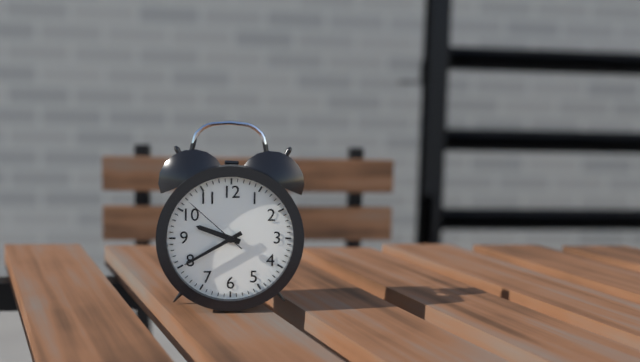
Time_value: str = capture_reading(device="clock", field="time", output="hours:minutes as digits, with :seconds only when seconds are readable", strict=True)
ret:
9:40:52
